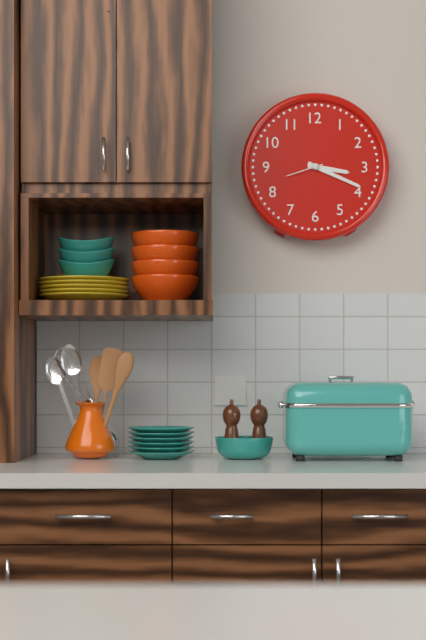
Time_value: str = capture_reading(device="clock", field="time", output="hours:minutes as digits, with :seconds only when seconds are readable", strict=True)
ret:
3:19
